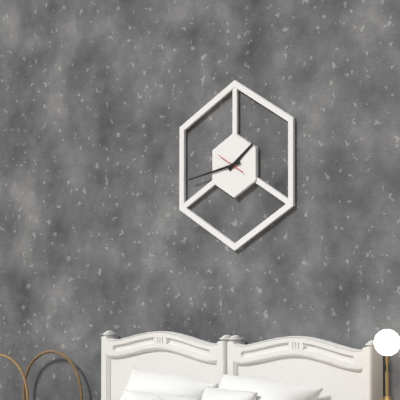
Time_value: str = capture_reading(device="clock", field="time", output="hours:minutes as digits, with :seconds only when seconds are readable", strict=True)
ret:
1:43
